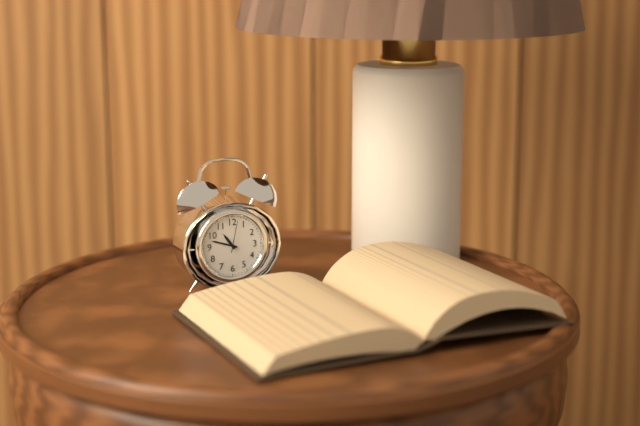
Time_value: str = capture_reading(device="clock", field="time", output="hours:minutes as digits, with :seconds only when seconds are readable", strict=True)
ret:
10:48
